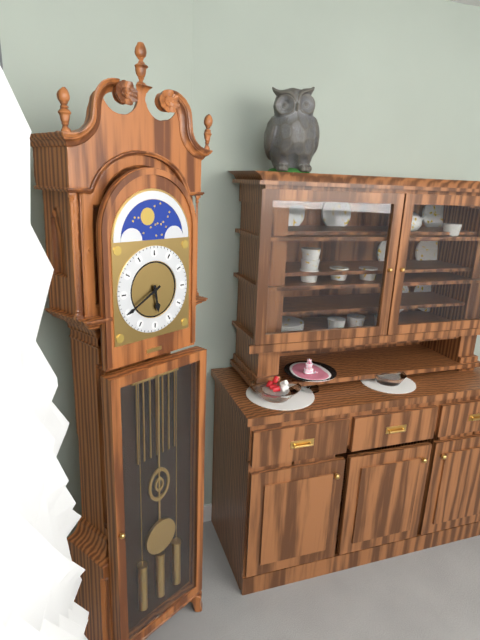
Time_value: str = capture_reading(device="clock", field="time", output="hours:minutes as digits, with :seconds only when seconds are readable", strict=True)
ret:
5:40
